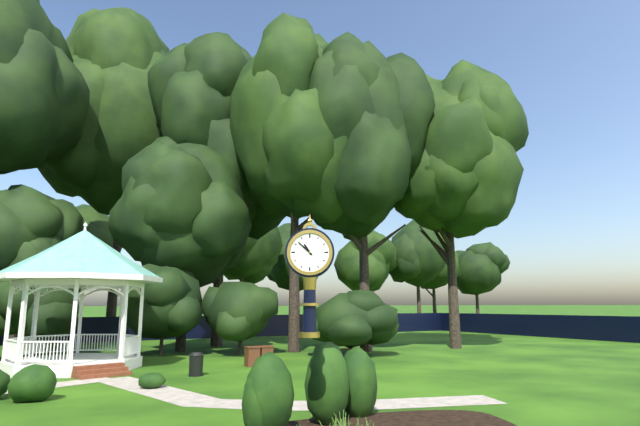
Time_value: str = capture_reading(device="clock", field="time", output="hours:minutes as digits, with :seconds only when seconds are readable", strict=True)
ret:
10:52
